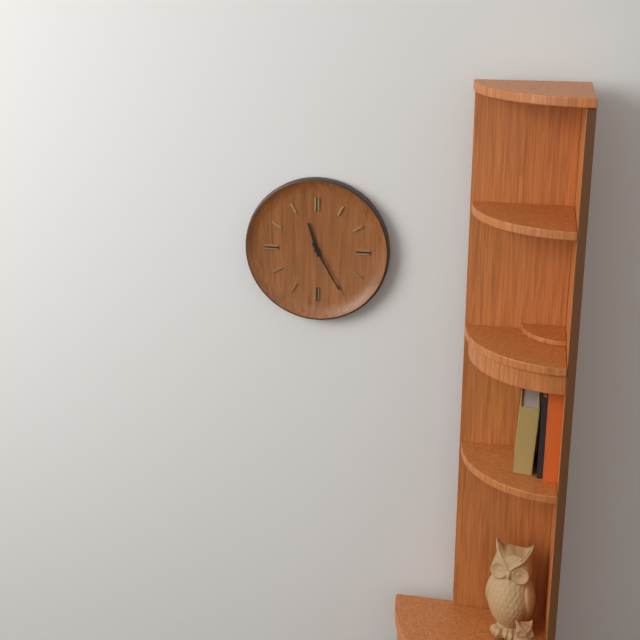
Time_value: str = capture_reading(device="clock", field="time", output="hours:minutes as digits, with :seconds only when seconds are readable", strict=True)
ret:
11:25
